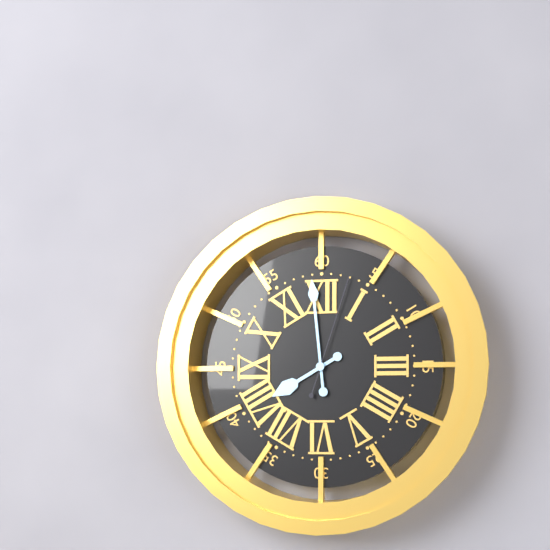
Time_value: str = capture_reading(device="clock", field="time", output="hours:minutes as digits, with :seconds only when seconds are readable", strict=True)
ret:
7:59:03
